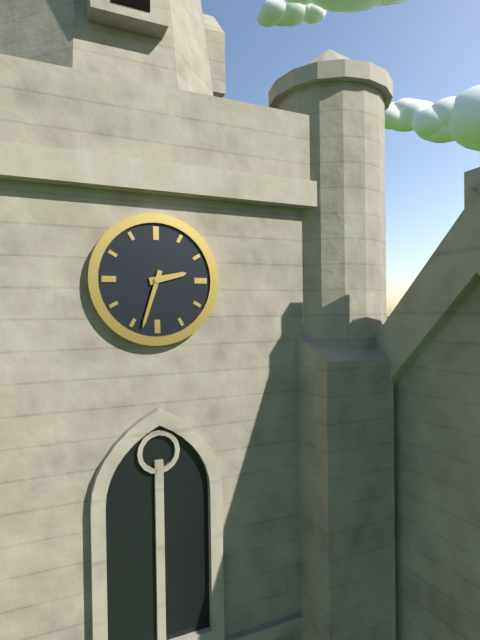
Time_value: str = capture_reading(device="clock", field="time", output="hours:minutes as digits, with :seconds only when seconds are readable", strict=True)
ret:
2:33
